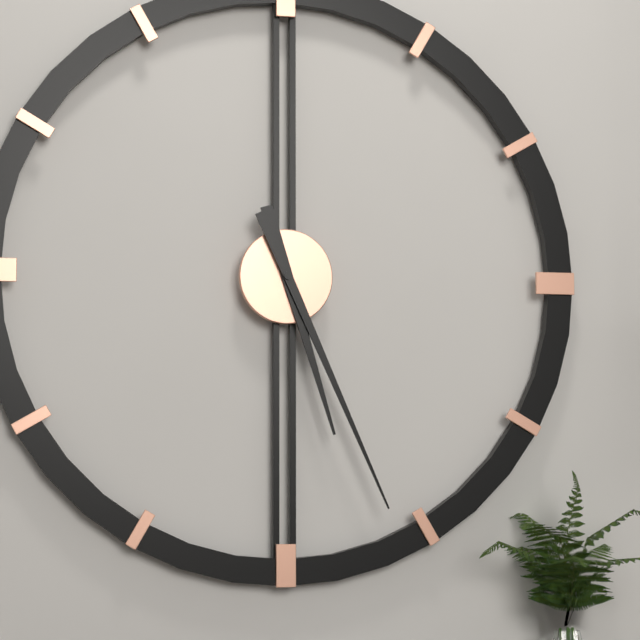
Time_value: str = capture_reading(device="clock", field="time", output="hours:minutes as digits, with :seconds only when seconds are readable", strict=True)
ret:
5:26
